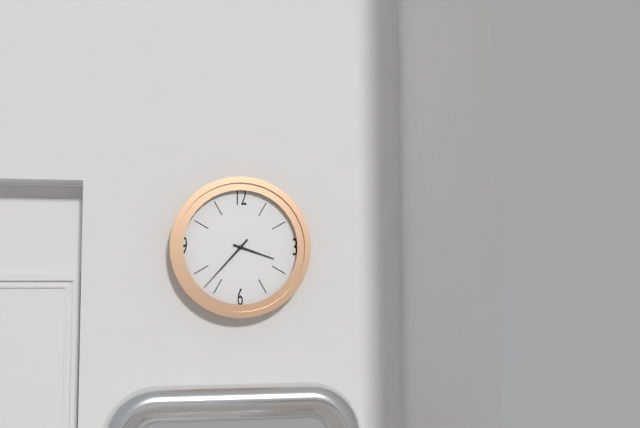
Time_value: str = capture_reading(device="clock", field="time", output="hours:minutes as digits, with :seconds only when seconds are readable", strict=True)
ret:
3:37
